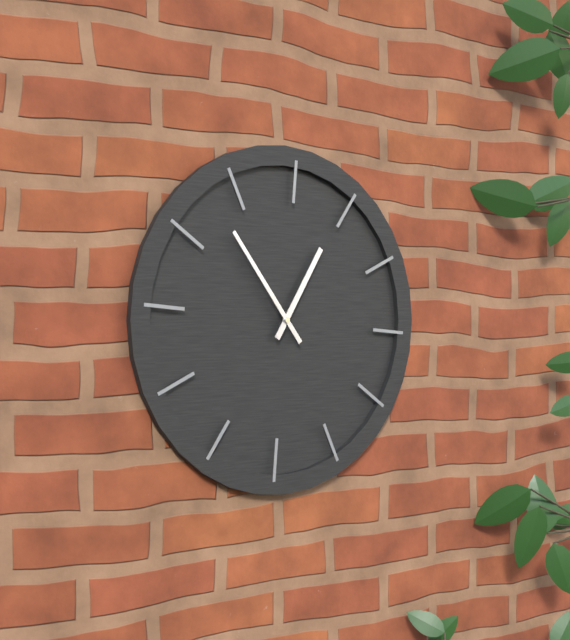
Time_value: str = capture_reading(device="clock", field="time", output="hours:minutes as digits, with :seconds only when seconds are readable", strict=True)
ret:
12:53
